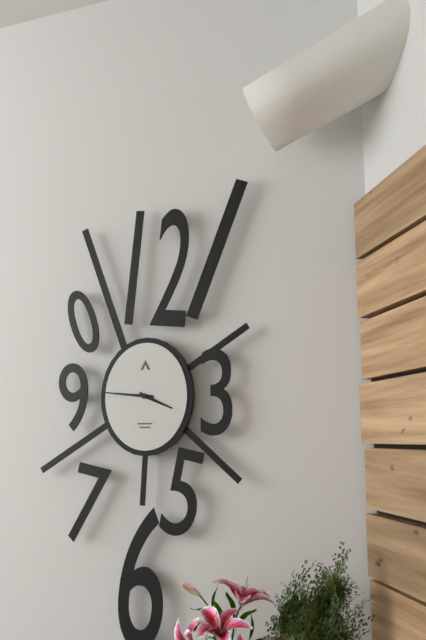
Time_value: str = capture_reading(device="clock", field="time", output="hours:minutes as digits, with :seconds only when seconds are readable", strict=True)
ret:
3:46
